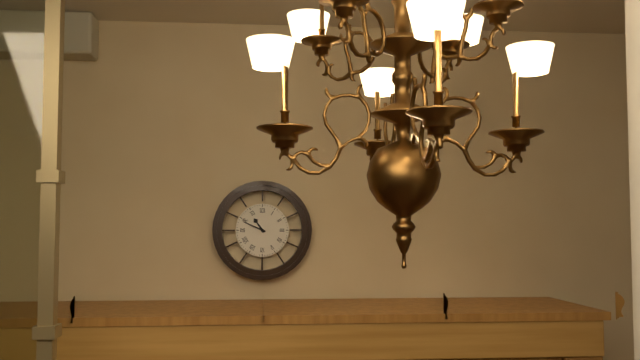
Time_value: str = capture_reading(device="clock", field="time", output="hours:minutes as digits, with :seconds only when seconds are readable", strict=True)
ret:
10:49
